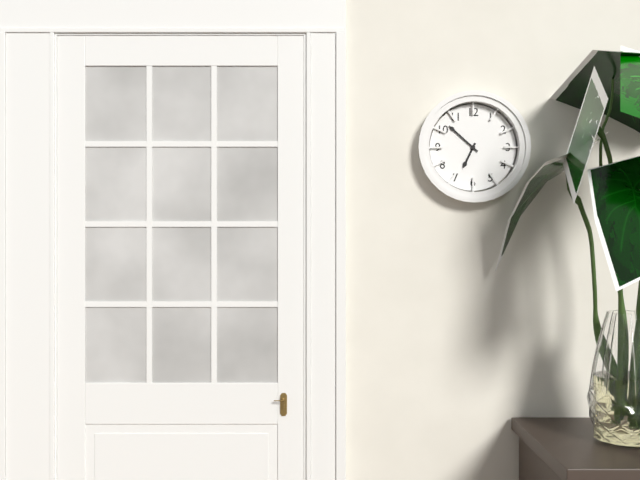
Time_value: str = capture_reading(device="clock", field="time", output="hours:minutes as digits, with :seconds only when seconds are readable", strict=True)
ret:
6:52
